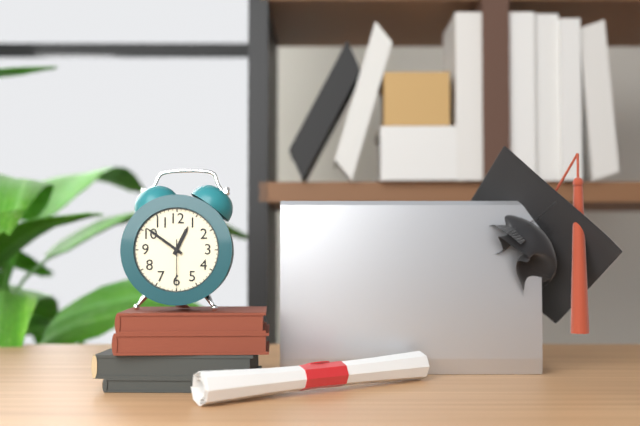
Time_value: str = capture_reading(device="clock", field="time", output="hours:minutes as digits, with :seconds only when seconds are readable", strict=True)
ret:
12:51:30
